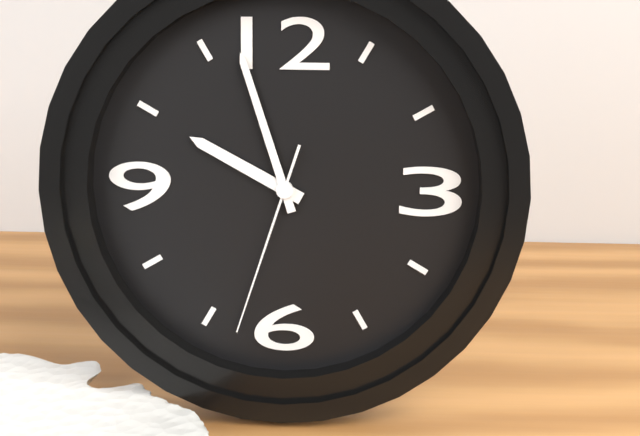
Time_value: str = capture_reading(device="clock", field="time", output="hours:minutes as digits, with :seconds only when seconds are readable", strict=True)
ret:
9:57:33
